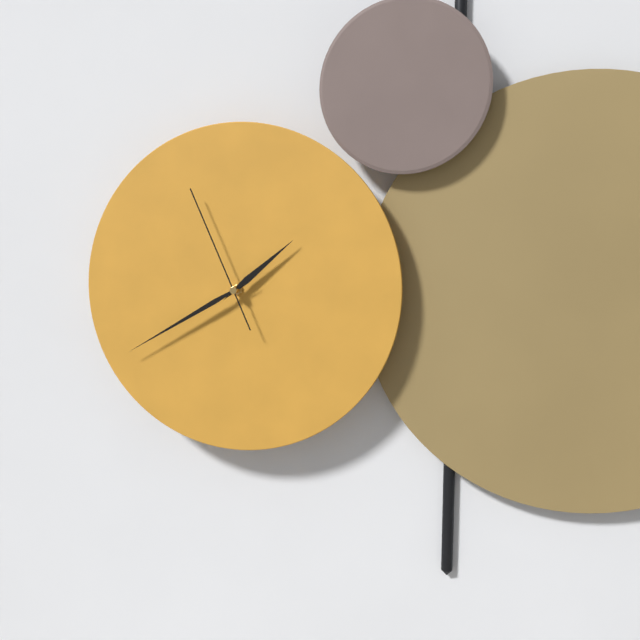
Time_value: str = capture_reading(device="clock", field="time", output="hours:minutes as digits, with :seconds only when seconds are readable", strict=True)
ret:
1:40:56
